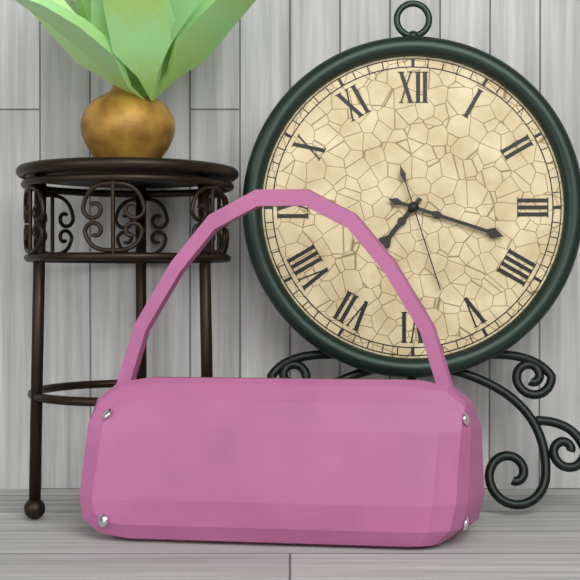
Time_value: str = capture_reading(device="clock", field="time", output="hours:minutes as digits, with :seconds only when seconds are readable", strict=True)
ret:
7:18:27
